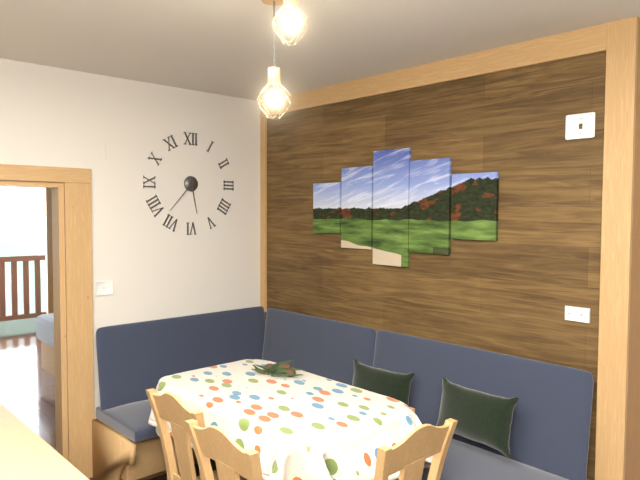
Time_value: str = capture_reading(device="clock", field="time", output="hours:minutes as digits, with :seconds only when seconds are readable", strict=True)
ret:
5:37
